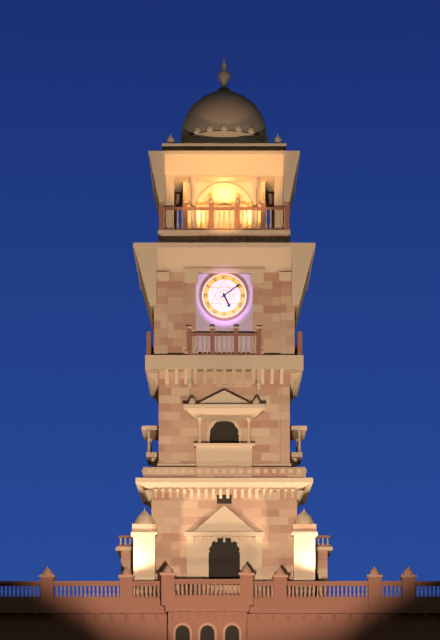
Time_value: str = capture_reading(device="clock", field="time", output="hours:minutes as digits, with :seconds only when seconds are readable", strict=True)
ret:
5:09
